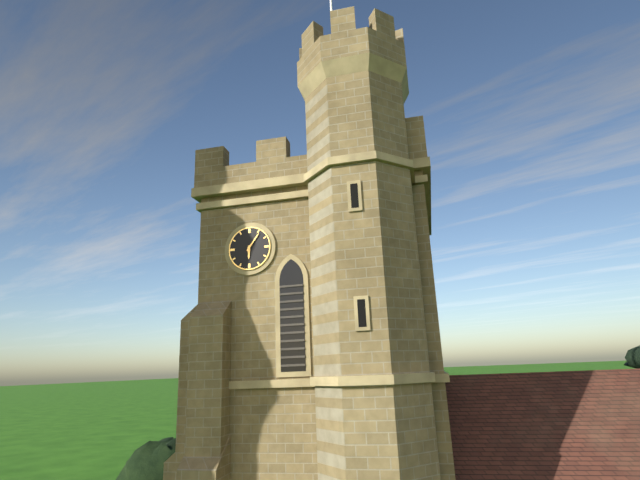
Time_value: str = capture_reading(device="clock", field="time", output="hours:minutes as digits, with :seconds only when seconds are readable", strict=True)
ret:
6:06
